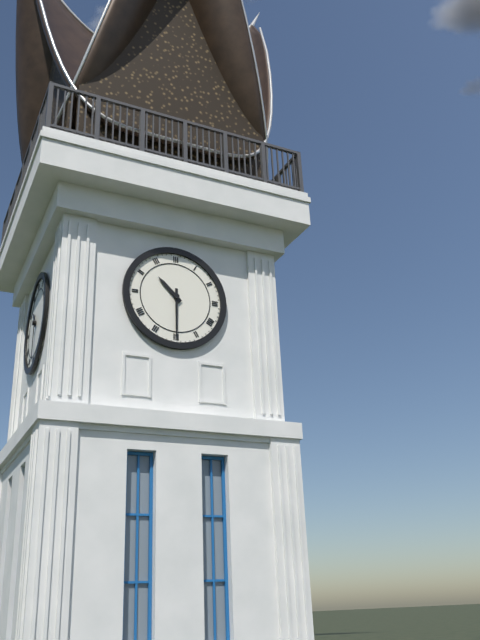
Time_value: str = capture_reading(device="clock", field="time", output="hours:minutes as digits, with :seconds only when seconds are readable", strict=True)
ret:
10:30
